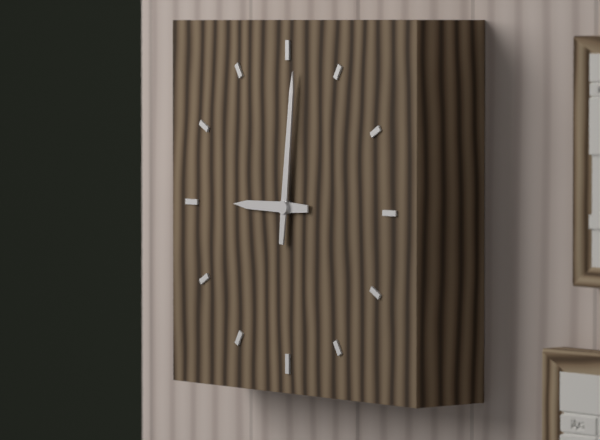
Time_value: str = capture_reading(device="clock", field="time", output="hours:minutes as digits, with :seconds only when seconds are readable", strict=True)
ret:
9:01
